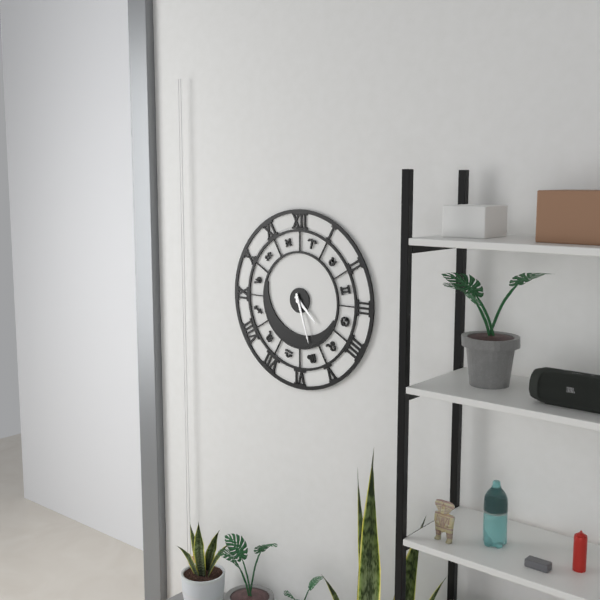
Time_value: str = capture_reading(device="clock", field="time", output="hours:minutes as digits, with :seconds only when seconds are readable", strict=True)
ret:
4:27
